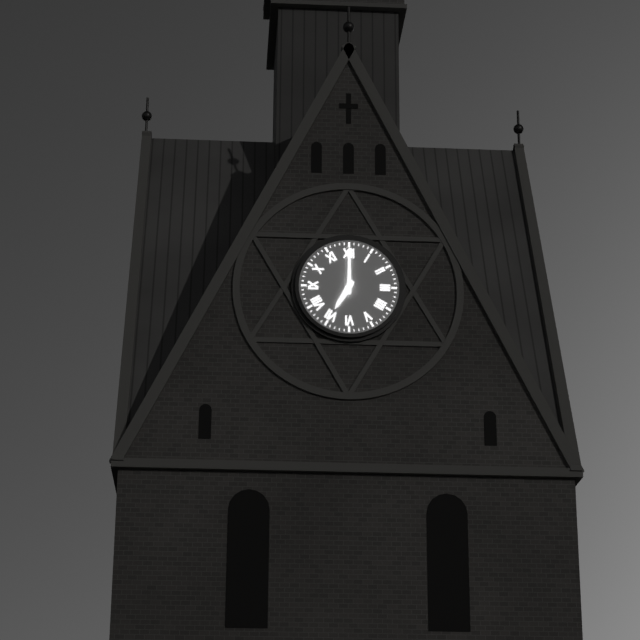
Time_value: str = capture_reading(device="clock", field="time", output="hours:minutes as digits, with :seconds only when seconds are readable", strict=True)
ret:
7:00
